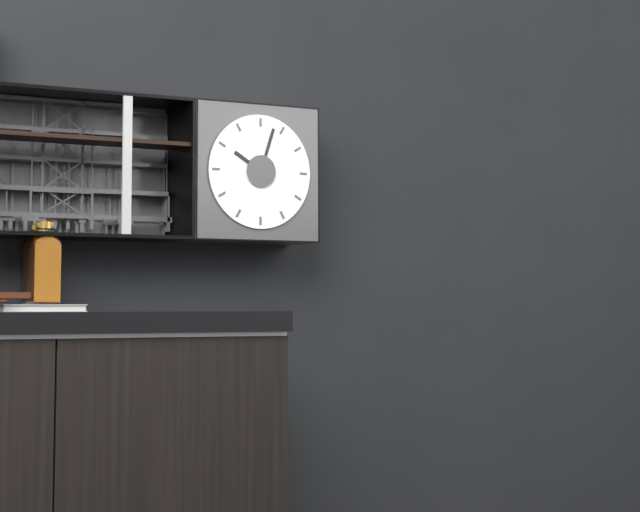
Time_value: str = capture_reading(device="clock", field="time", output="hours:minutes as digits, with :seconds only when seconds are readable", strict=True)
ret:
10:03
